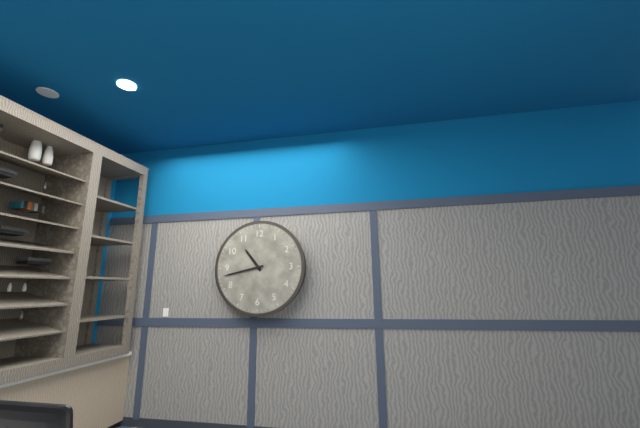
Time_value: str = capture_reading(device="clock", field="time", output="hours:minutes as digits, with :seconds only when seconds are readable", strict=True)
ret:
10:43
